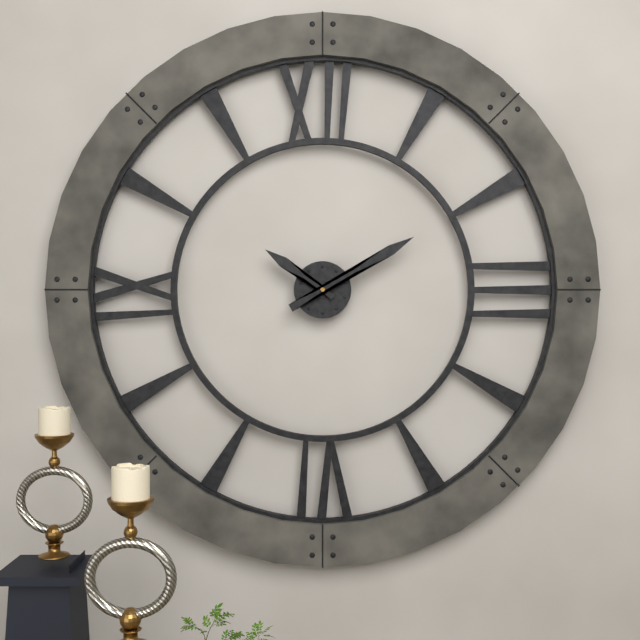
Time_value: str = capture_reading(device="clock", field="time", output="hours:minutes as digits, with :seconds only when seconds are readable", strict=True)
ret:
10:10
